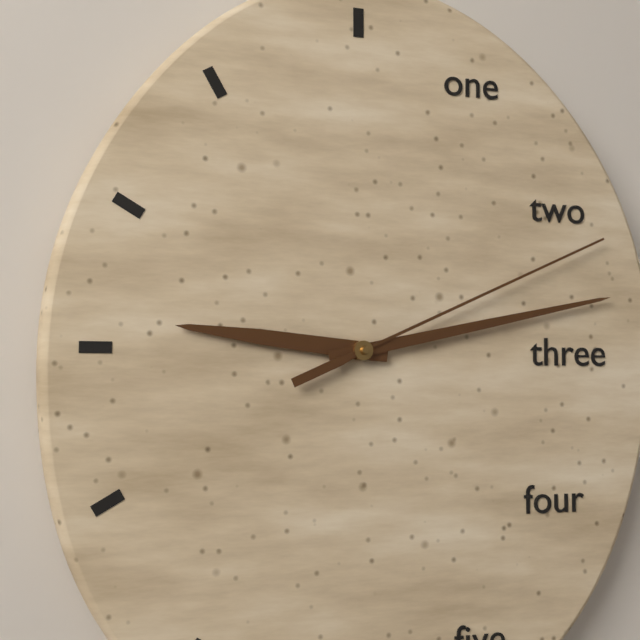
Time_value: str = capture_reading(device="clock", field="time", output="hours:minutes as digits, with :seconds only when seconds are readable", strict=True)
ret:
9:13:11
